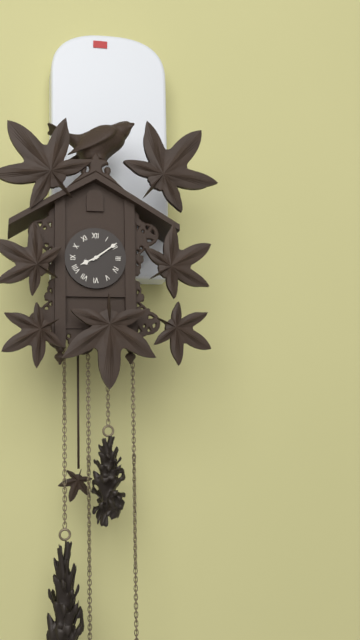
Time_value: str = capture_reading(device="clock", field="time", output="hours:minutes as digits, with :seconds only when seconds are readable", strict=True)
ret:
8:09
